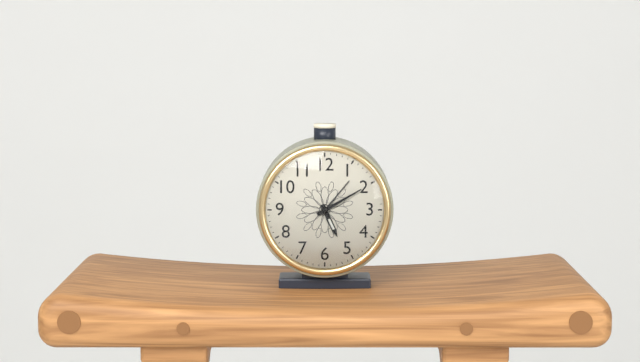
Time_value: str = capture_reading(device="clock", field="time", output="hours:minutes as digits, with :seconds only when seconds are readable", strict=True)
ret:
5:10
